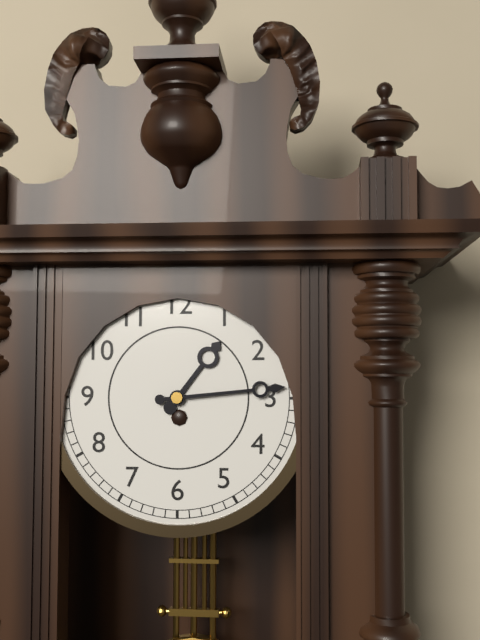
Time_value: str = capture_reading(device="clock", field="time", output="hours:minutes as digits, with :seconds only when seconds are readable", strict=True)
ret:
1:14
